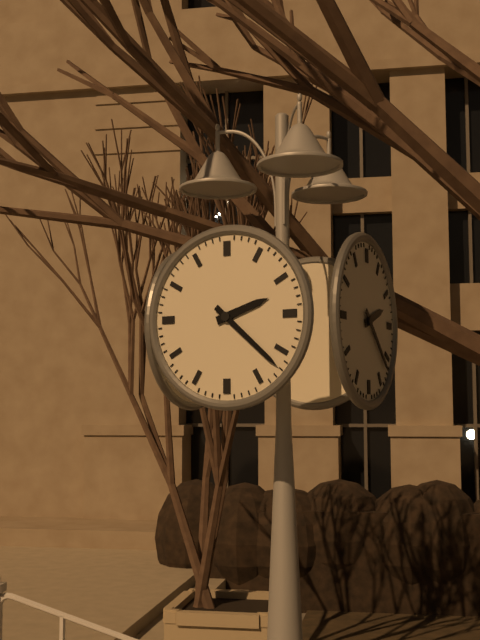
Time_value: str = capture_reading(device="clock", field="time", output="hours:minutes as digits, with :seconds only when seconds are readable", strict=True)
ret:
2:22
